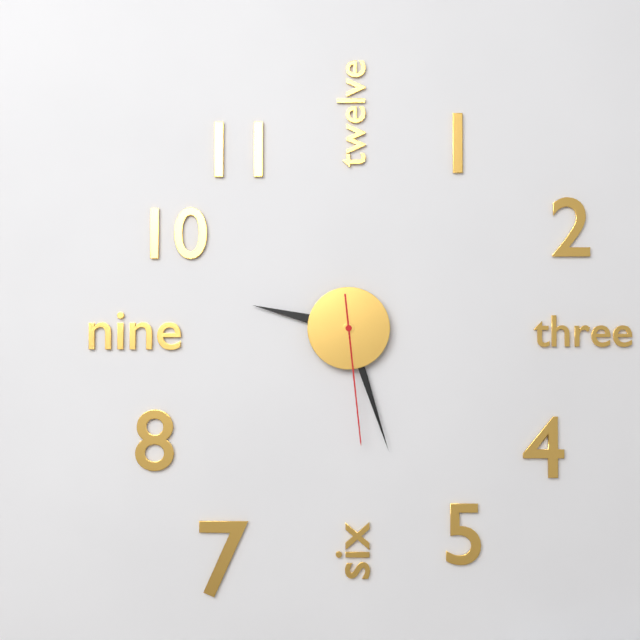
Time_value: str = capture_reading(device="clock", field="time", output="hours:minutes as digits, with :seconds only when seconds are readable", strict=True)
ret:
9:27:29
